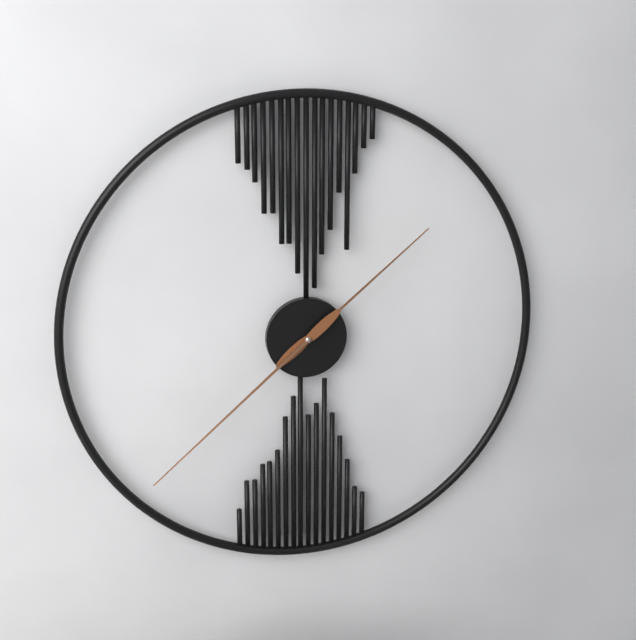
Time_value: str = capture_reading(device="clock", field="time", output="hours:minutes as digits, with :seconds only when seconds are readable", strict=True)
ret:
1:38
